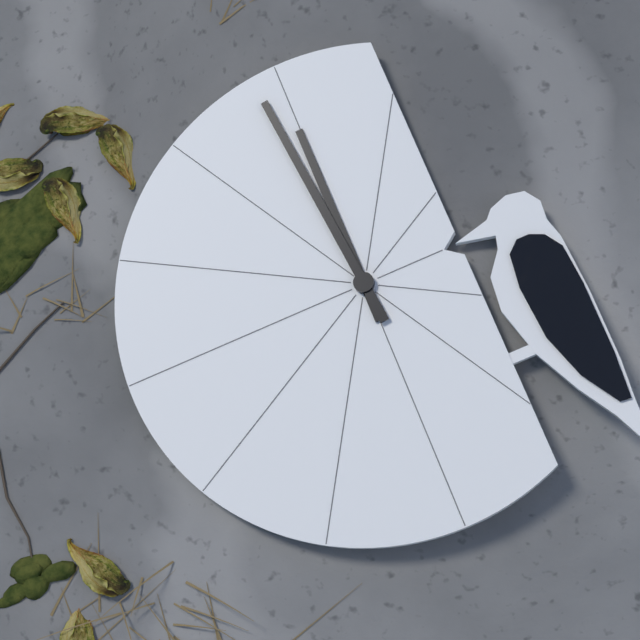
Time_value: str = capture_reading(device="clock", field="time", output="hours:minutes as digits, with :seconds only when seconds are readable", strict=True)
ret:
11:59
